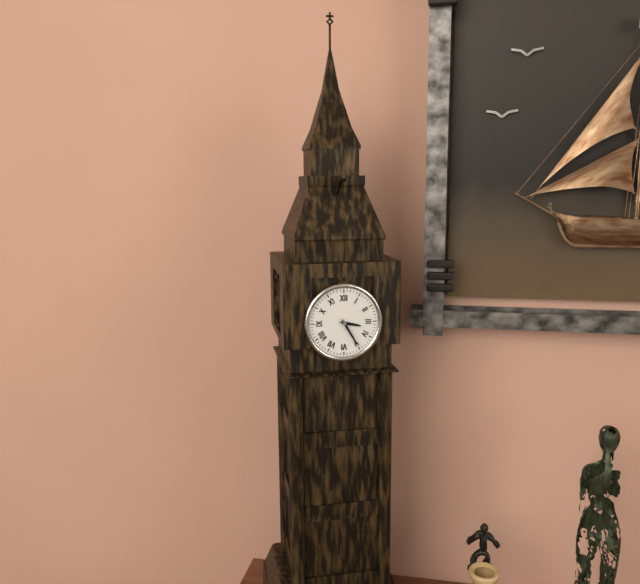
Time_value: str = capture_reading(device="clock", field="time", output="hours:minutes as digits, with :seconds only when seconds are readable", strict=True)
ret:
3:25
